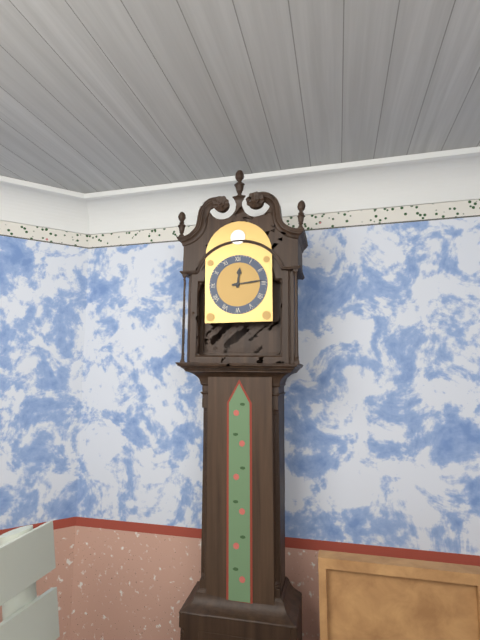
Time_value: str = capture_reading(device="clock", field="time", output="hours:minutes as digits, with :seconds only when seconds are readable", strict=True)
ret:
12:14
